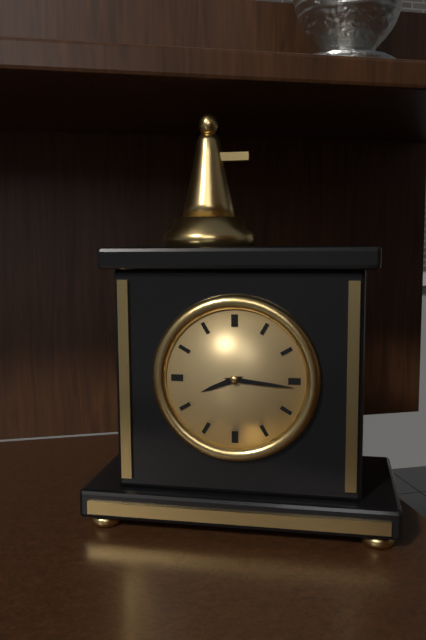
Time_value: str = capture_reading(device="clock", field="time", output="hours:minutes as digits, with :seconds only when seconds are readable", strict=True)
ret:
8:16
